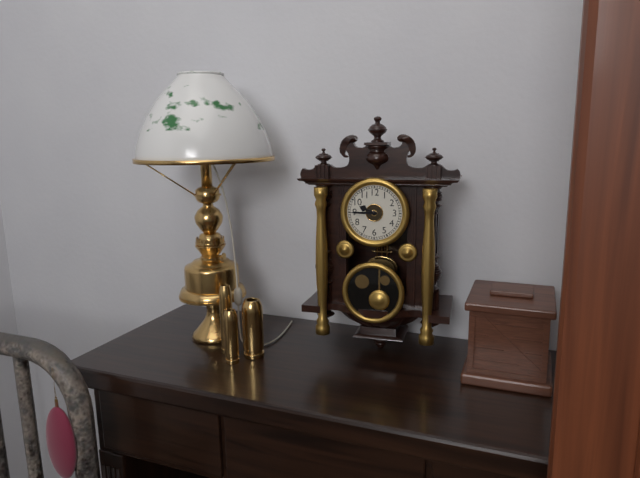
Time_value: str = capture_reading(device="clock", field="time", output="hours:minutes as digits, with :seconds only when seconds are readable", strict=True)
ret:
9:45
